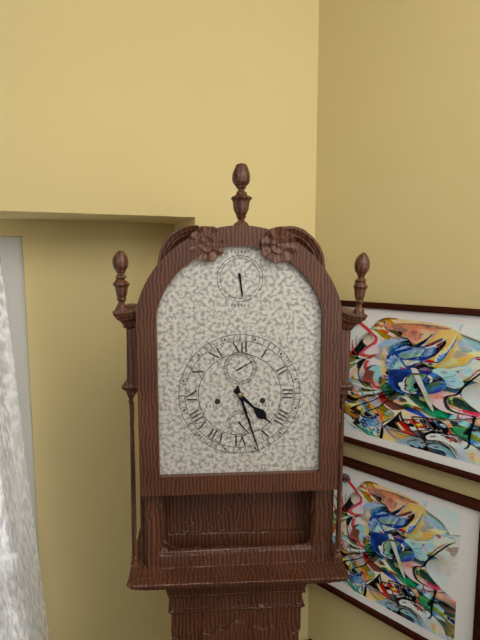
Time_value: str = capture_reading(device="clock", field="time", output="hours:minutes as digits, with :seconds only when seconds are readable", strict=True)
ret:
4:27
